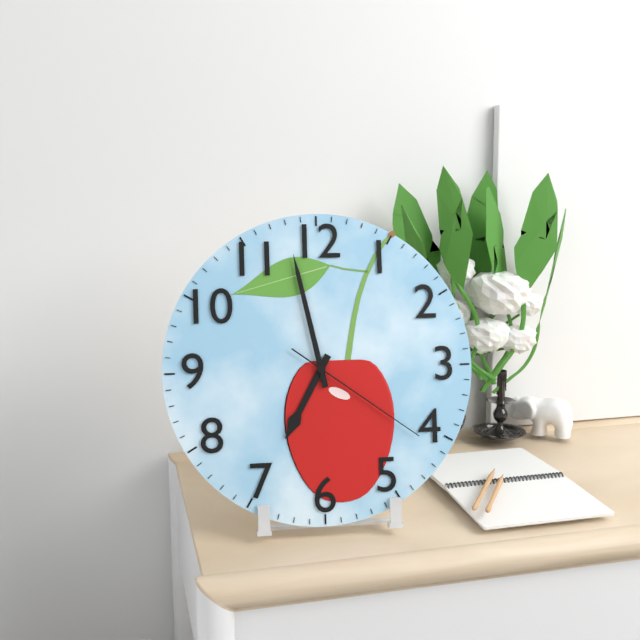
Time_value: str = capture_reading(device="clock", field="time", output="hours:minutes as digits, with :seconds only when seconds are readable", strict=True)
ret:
6:58:21
